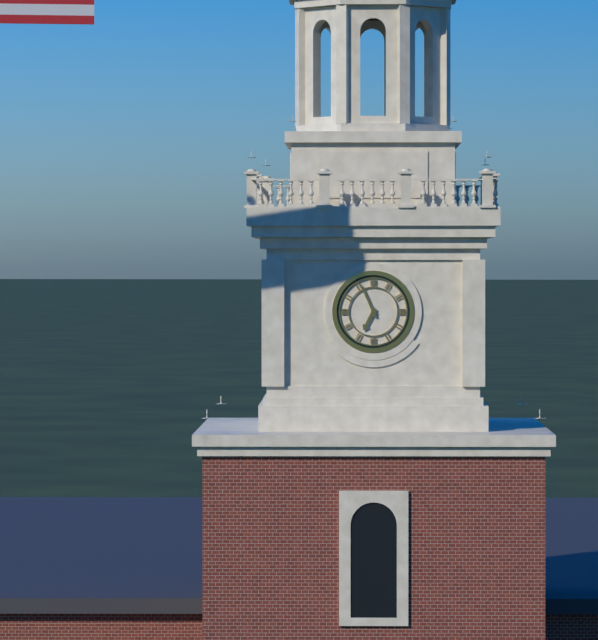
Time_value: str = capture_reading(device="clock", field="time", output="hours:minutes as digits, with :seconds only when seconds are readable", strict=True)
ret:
6:56
